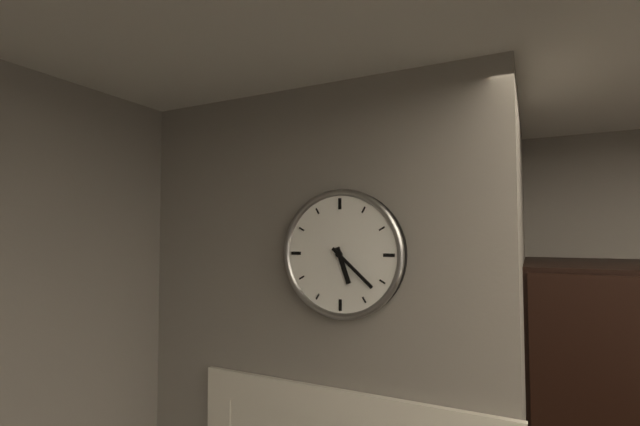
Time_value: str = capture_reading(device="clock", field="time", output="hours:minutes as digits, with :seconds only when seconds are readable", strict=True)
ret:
5:22
